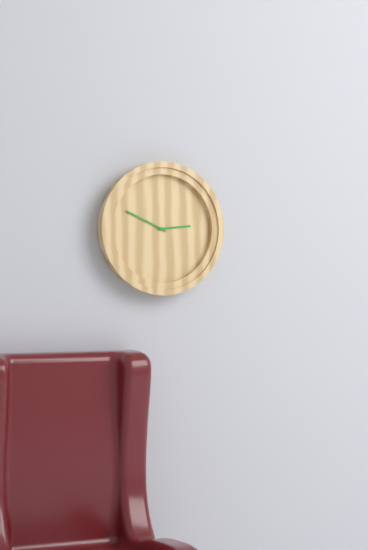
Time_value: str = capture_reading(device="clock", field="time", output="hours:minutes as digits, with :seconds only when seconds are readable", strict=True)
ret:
2:49
